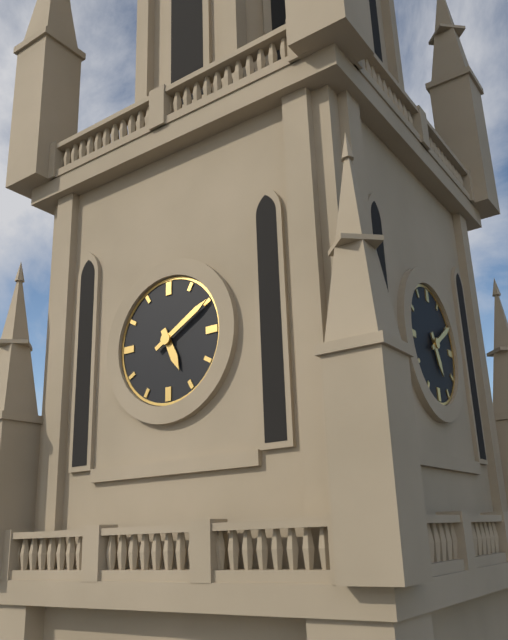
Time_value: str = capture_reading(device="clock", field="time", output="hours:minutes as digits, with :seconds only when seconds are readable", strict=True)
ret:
5:10
